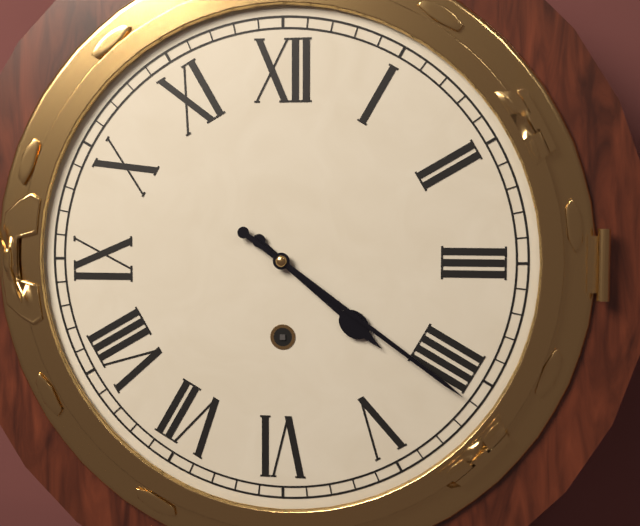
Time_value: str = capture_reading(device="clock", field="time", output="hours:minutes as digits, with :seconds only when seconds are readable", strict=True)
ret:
4:21
